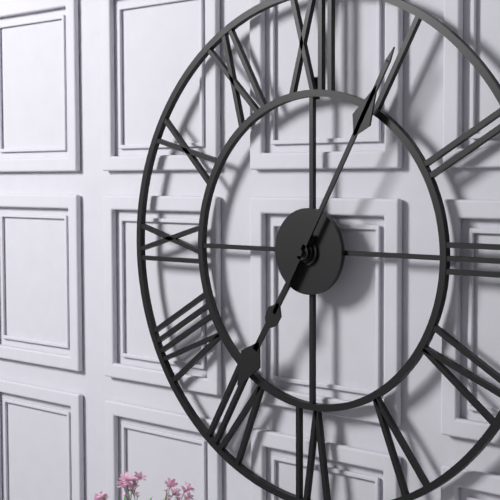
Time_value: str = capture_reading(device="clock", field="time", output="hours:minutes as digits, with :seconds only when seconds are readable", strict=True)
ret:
7:05
